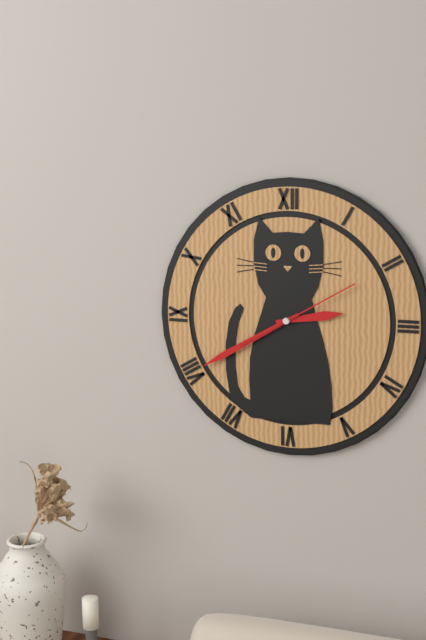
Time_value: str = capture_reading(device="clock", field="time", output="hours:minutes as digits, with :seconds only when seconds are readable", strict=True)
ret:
2:40:10
